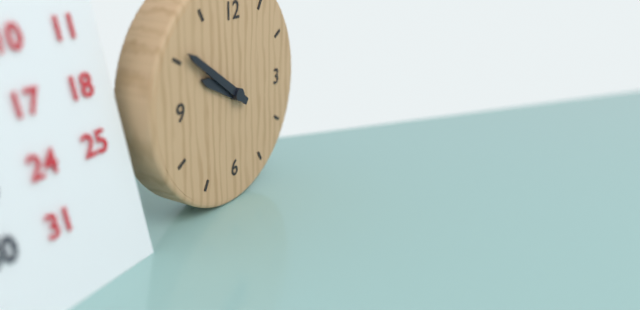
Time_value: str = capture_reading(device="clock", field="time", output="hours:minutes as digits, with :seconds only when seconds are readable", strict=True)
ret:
9:51
